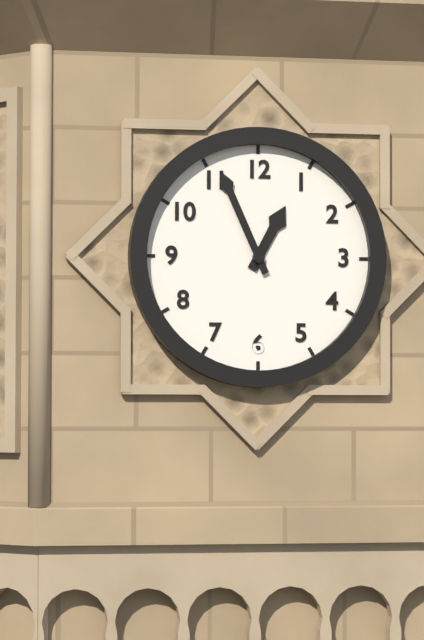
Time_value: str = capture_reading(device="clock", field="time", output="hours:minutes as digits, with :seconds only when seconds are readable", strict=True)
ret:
12:56
